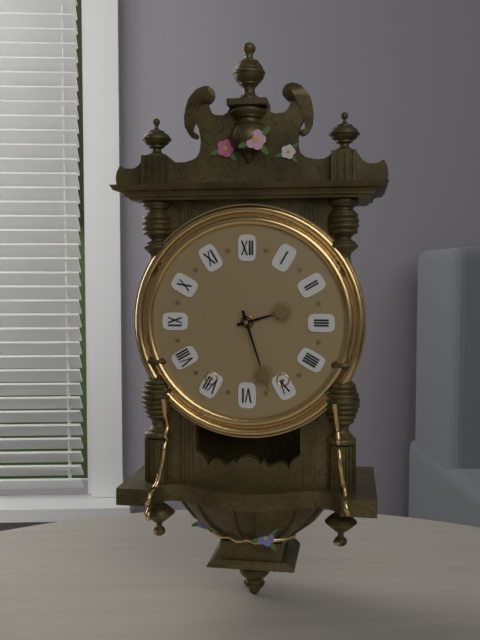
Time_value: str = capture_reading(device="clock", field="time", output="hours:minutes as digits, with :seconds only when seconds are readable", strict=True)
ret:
2:27
